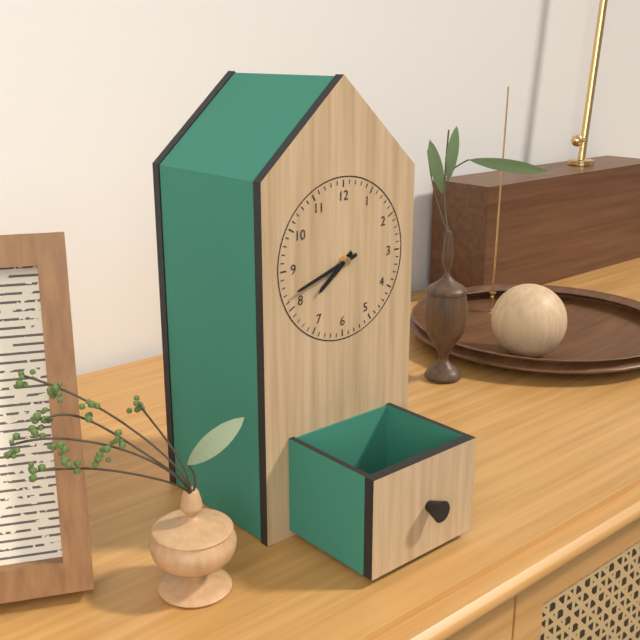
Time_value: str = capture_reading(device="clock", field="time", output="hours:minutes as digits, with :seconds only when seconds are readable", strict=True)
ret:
7:42
